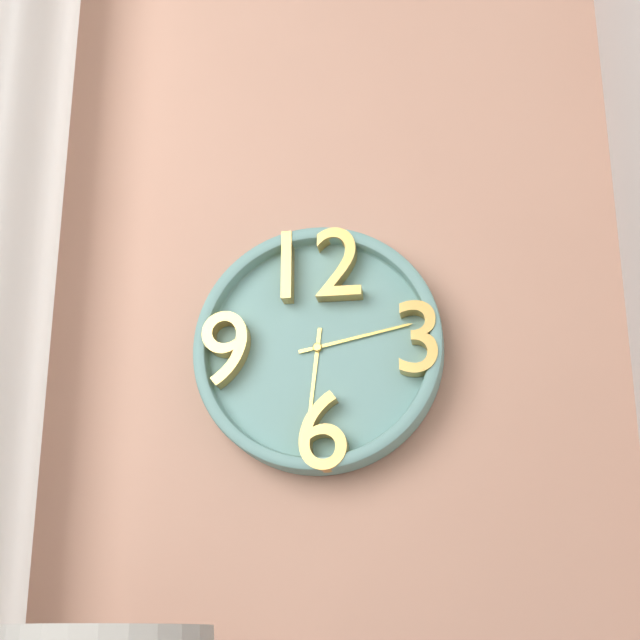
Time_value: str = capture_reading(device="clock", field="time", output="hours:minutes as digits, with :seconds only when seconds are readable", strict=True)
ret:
6:13
